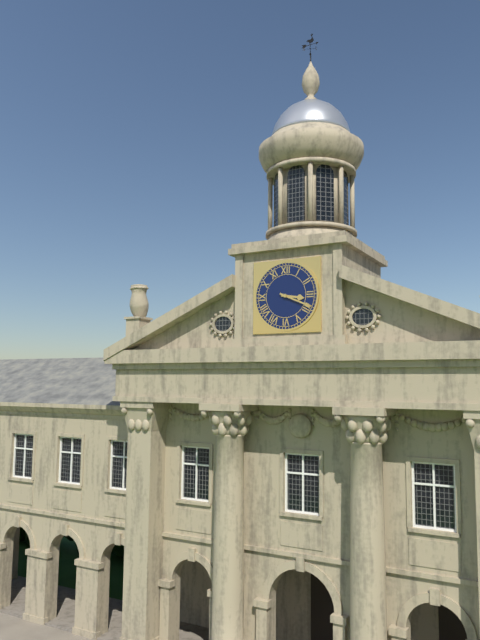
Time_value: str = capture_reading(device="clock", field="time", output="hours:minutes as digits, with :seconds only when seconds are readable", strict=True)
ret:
3:19
